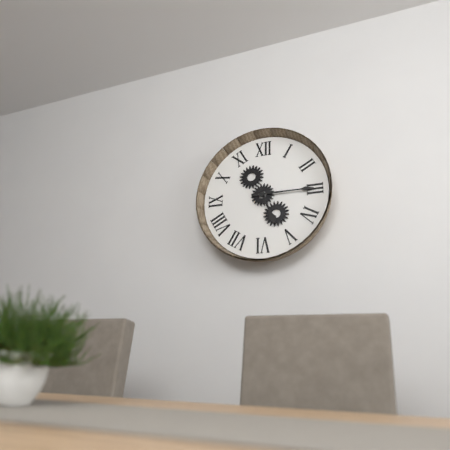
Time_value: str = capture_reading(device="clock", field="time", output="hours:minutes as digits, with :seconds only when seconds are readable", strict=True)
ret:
5:15
